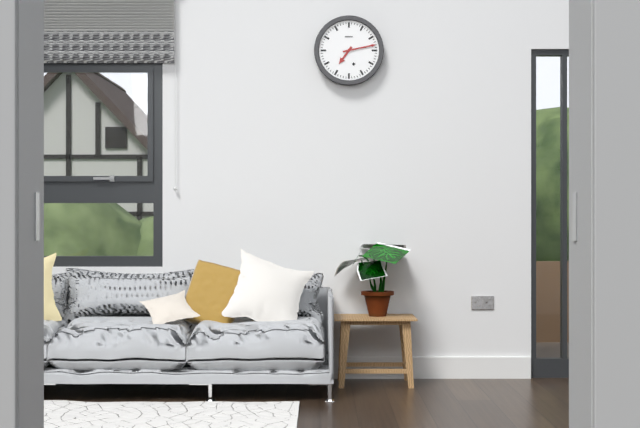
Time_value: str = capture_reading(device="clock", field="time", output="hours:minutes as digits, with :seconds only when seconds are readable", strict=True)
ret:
7:13
